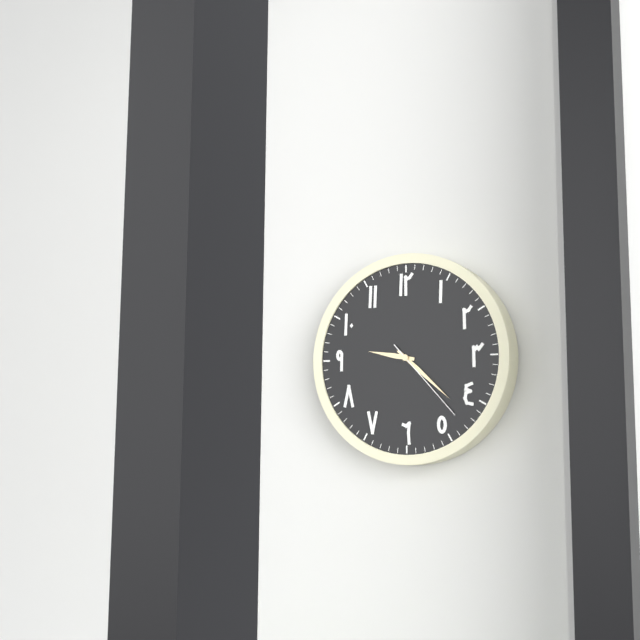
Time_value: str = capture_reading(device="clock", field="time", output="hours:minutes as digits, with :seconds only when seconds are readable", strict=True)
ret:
9:22:23
